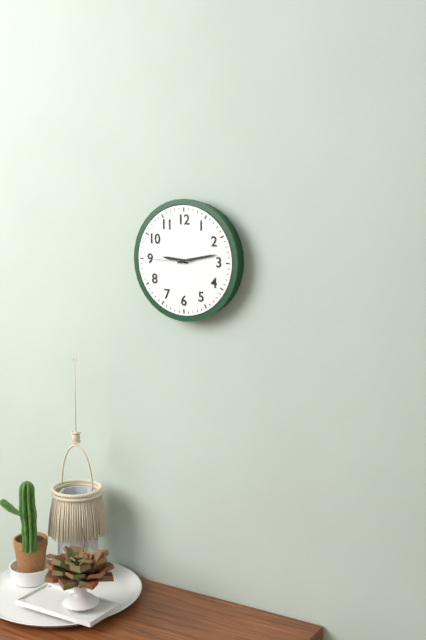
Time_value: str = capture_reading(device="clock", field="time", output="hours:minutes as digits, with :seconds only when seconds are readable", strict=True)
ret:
9:13
